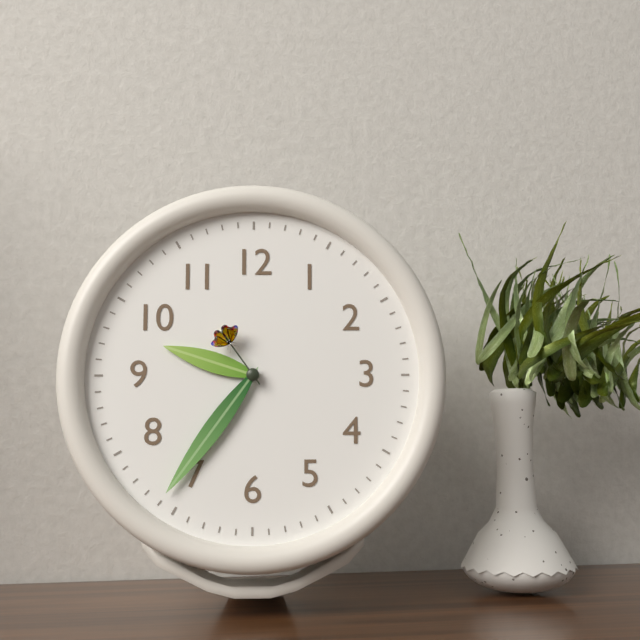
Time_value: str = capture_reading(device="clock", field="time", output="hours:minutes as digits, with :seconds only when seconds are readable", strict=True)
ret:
9:36:54
